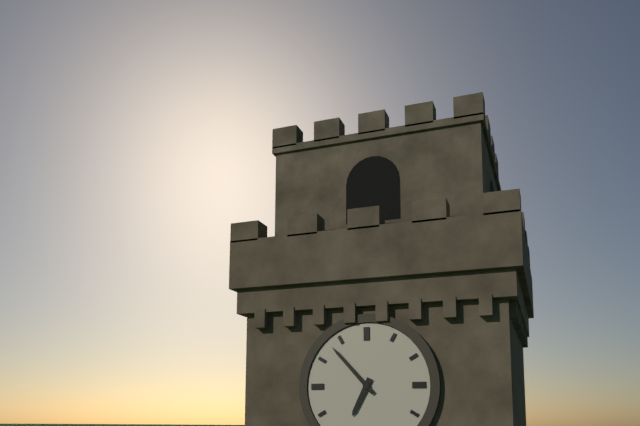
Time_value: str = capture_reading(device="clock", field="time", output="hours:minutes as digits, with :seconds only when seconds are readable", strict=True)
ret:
6:53
